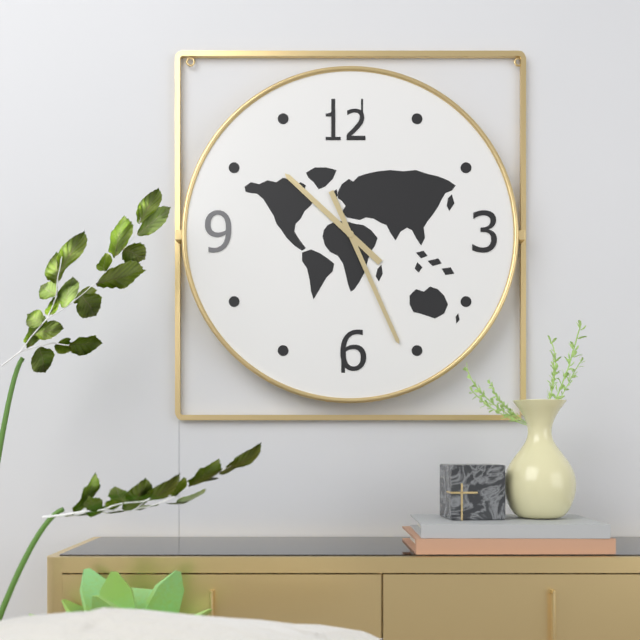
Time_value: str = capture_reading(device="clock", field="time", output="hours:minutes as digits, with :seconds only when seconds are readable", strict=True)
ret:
10:26
